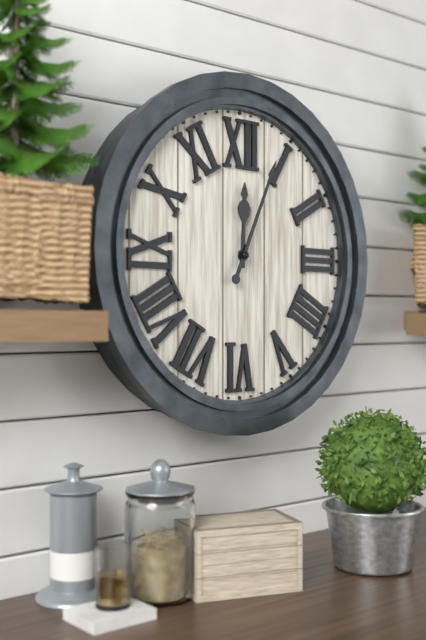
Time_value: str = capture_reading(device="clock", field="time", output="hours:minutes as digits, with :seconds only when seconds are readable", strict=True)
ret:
12:04
